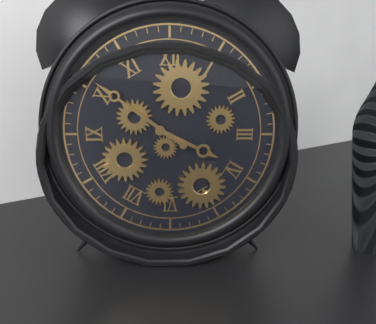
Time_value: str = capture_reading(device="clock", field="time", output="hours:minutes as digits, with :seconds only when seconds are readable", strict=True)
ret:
3:51
